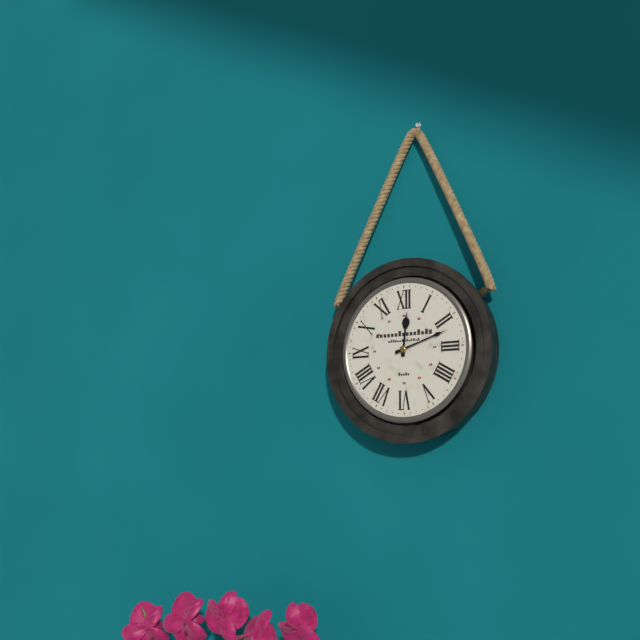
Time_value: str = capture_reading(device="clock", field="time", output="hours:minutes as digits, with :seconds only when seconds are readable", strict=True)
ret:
12:12
